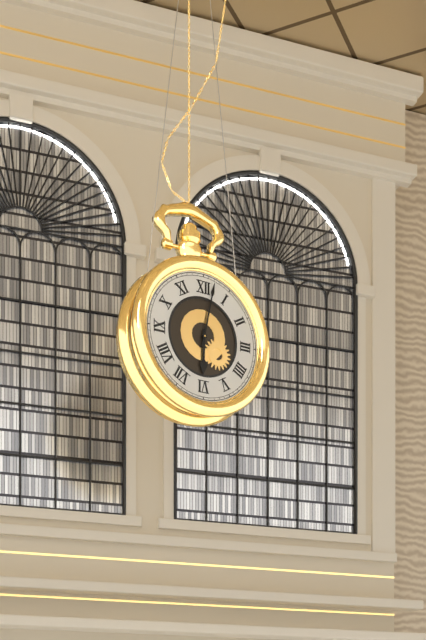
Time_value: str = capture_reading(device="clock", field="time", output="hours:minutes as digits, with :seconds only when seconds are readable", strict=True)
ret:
6:02
